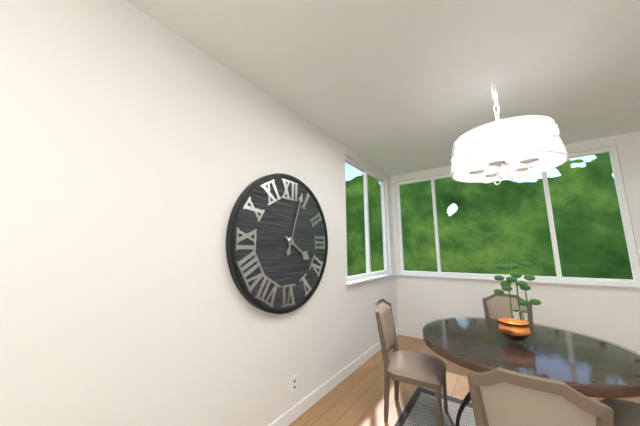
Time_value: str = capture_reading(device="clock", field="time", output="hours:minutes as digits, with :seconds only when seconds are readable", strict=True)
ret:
4:03
